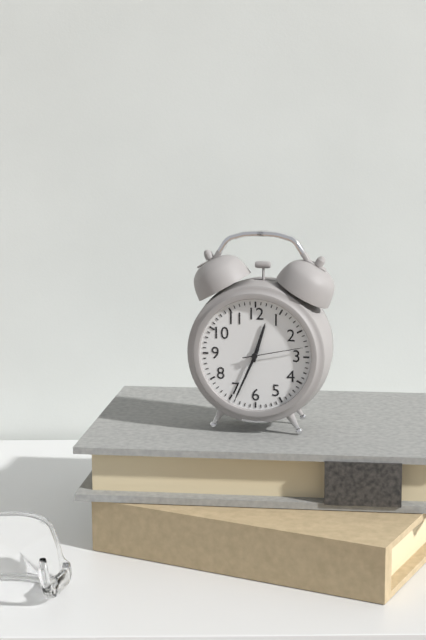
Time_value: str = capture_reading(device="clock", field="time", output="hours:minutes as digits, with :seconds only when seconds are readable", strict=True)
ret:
12:34:13
